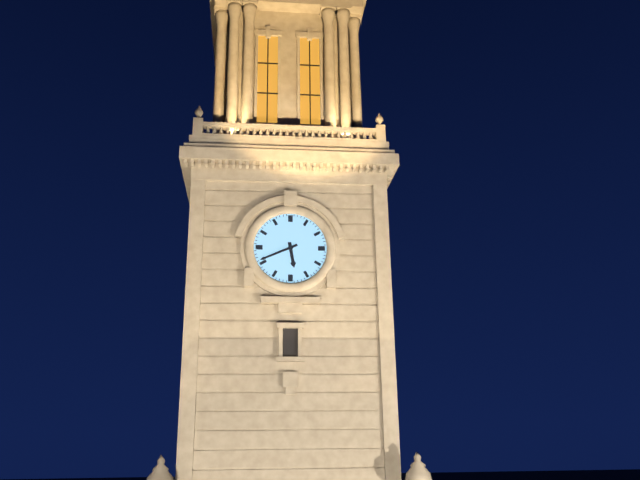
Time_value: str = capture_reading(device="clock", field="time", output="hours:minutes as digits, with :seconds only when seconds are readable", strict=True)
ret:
5:41
